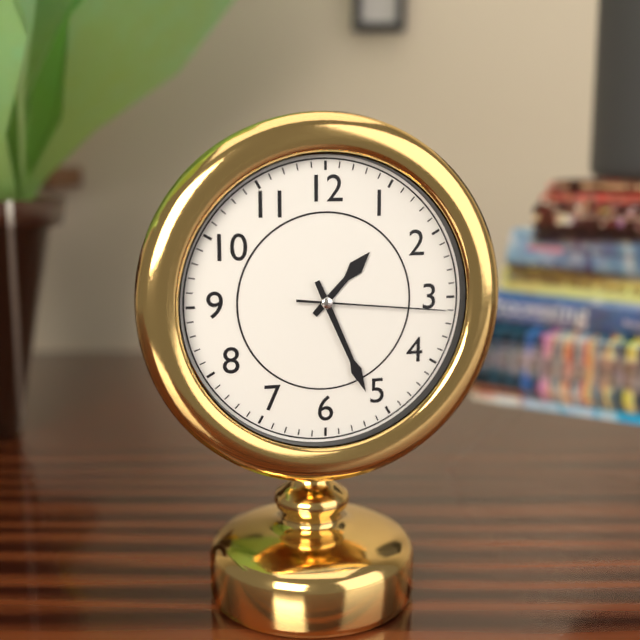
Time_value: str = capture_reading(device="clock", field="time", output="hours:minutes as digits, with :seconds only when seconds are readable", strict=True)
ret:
1:26:16
